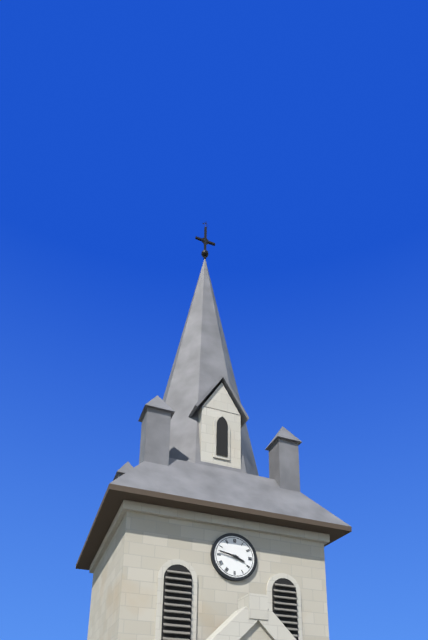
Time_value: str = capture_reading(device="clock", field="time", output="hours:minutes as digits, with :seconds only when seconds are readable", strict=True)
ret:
3:47
